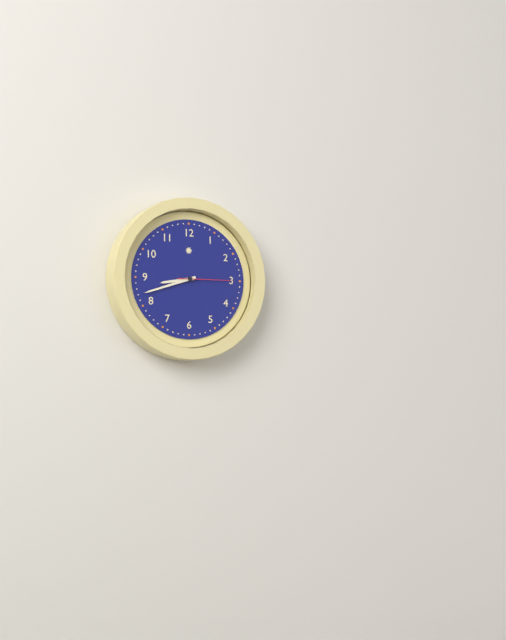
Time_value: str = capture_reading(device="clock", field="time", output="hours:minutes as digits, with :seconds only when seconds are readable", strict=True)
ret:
8:42:15
